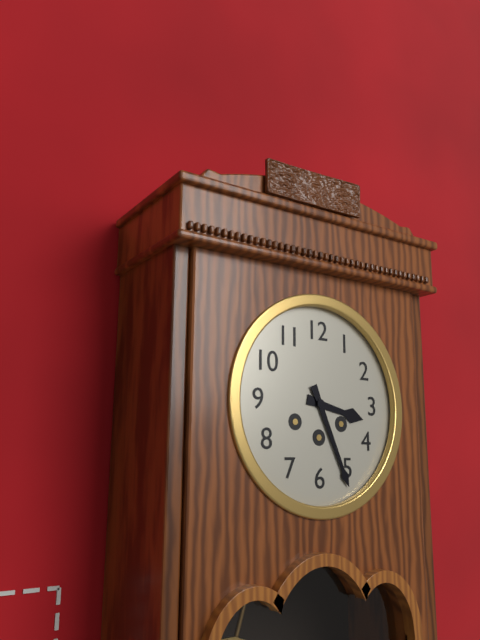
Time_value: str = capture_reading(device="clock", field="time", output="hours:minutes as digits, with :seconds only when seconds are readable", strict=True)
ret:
3:26
